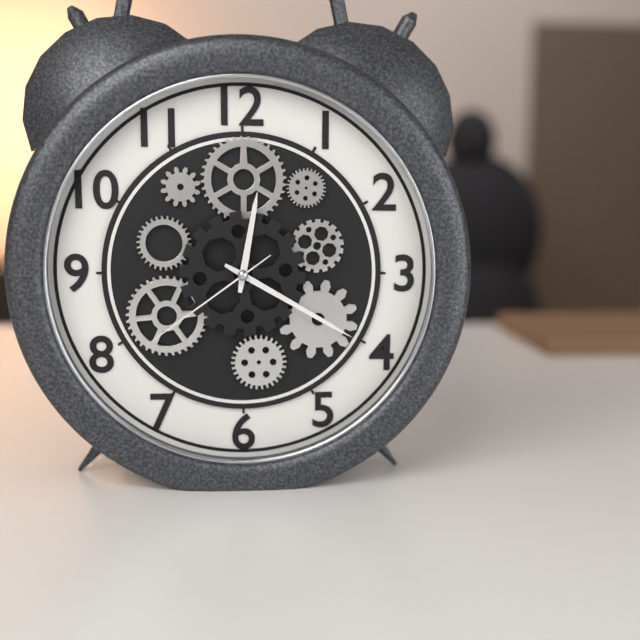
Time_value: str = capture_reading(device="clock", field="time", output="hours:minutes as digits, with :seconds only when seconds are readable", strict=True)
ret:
12:20:39
